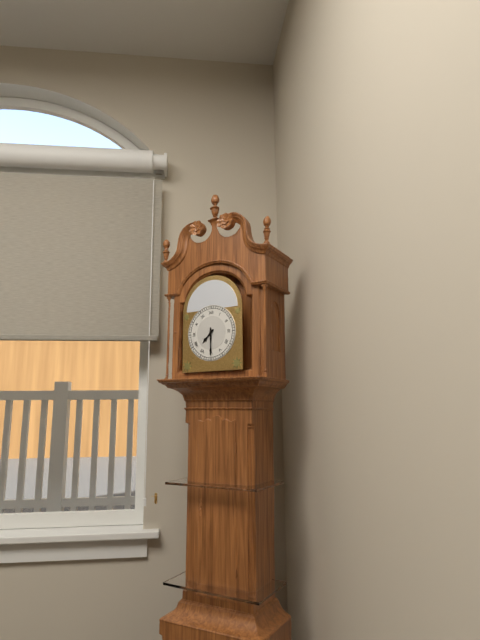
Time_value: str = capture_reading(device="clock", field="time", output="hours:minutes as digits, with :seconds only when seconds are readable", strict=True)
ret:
7:30
